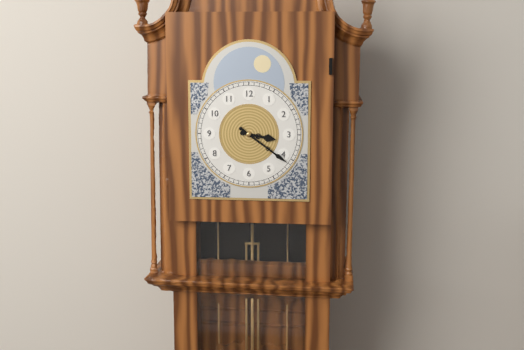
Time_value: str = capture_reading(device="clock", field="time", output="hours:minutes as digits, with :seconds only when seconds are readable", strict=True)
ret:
3:21
